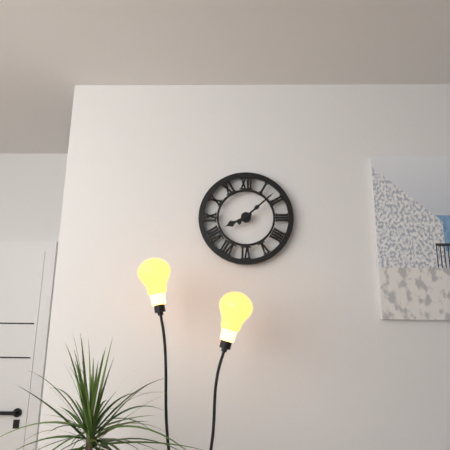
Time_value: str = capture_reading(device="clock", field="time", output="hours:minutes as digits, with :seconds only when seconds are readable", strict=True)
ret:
8:08
